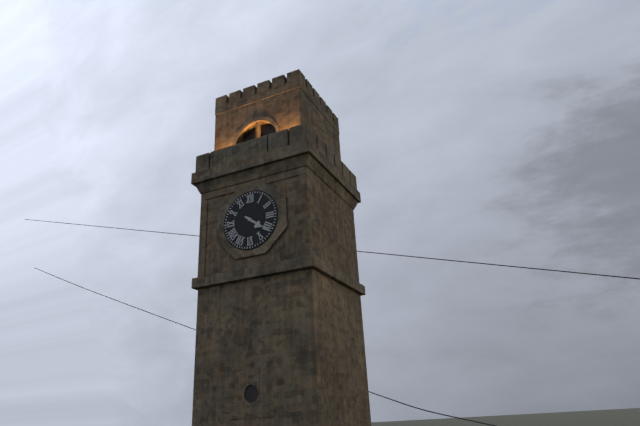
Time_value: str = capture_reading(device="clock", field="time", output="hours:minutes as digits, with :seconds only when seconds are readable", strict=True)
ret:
4:21
